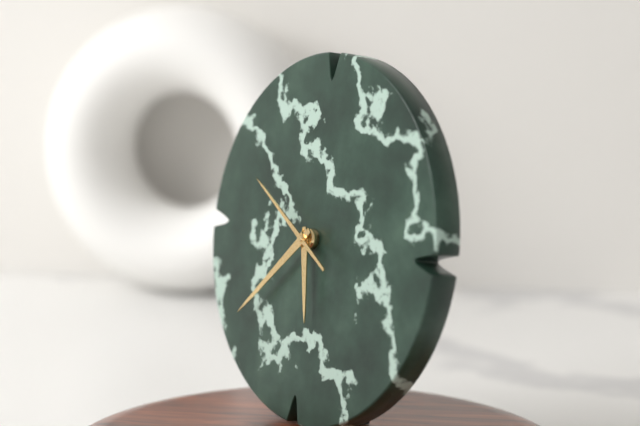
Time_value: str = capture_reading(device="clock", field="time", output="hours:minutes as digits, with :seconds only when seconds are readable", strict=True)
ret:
5:38:50
